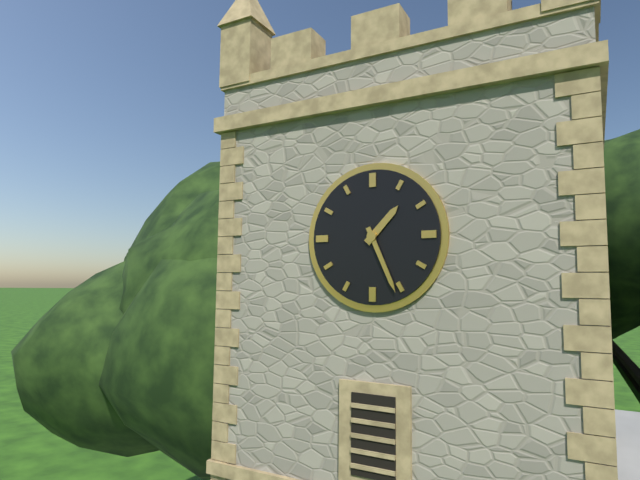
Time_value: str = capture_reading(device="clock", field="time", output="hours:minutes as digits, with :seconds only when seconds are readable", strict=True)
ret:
1:26
